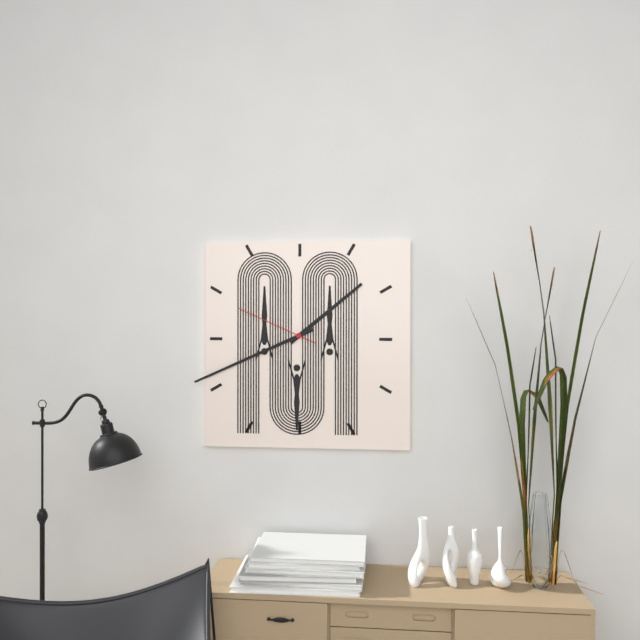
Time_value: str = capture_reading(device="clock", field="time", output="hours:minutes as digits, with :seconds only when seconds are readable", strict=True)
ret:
1:41:49
